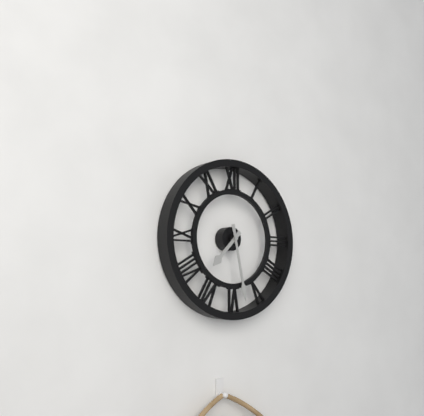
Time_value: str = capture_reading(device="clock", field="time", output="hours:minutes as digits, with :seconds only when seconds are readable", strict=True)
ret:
7:28
